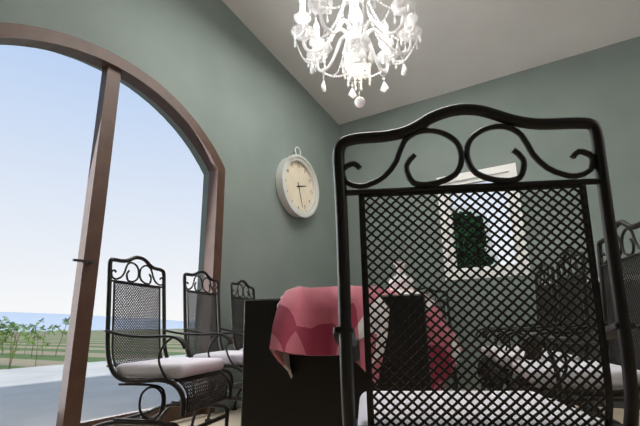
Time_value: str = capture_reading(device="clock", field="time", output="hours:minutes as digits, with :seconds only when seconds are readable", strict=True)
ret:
2:27
